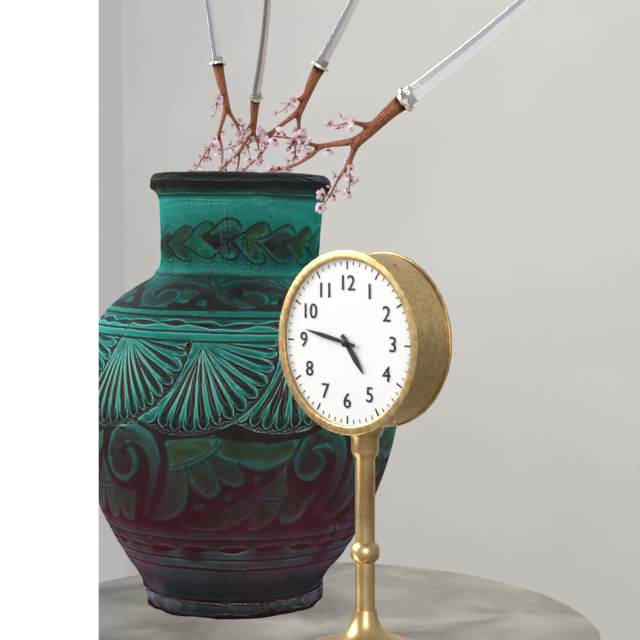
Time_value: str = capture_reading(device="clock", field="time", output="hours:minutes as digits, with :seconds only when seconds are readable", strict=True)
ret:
4:47
